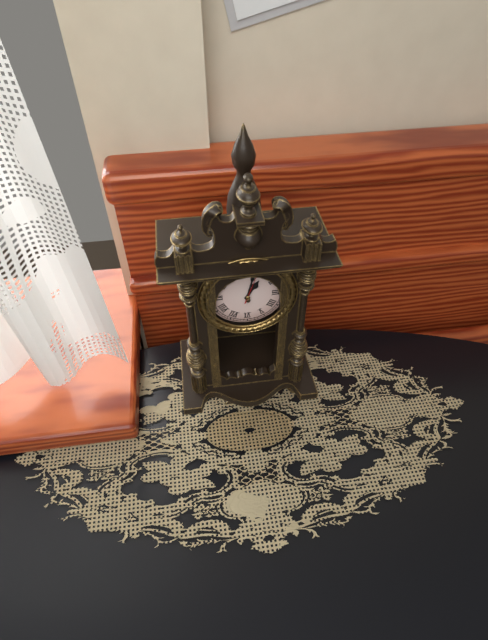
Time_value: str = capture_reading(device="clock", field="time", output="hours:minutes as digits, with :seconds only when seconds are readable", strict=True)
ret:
1:02
